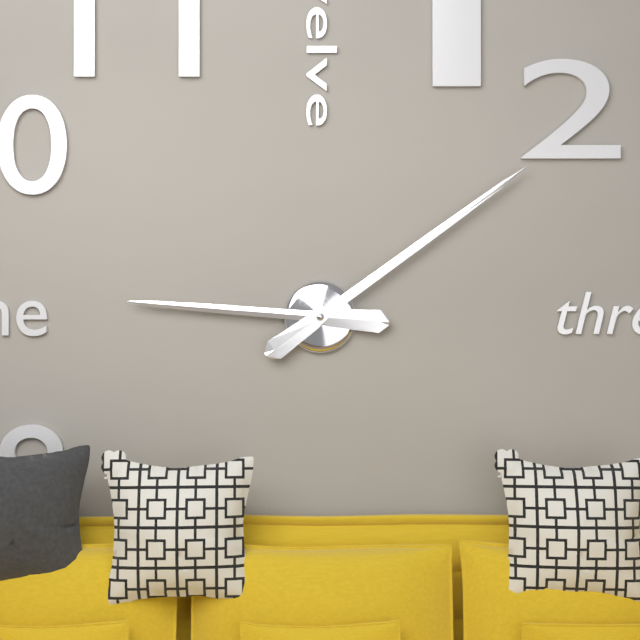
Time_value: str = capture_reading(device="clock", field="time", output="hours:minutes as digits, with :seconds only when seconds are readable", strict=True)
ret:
9:09
